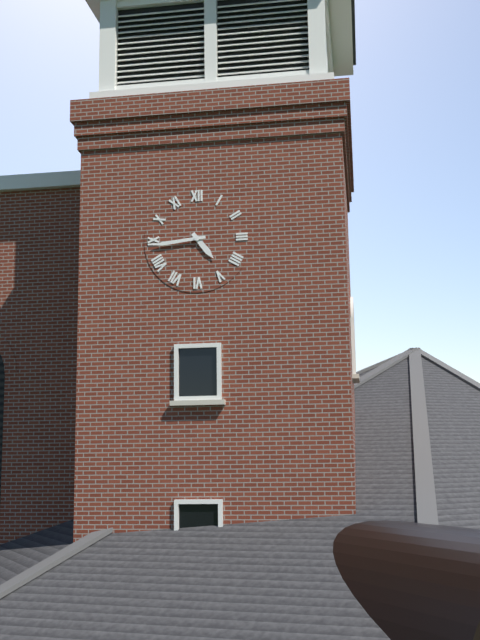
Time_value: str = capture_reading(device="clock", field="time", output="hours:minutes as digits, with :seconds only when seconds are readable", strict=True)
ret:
4:44
